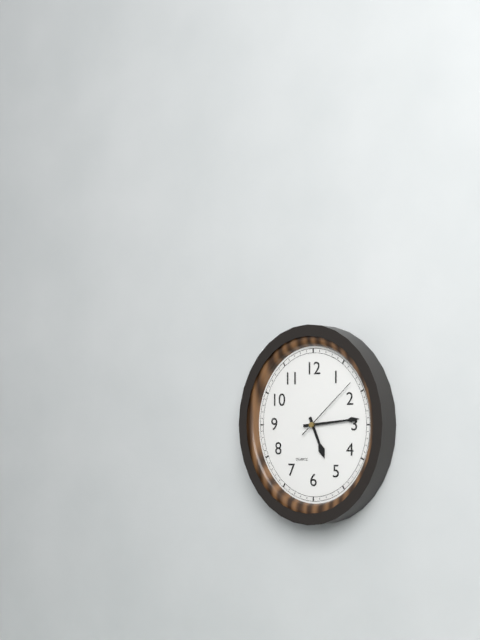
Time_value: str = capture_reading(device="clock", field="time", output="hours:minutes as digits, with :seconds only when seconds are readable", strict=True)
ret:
5:14:08
